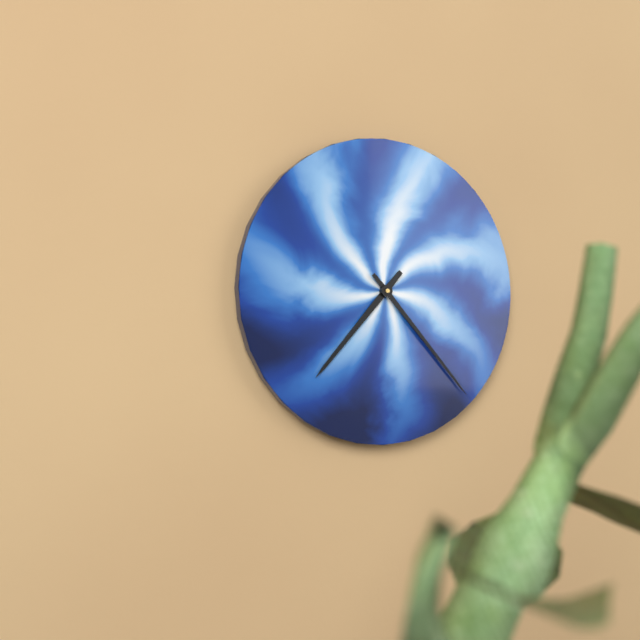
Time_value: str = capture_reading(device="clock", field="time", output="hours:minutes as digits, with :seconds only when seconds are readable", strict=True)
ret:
7:23
